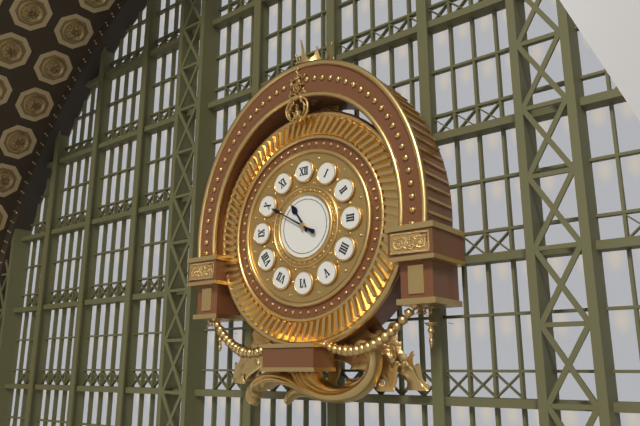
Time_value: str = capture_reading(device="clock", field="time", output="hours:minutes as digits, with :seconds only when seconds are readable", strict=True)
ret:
10:50
